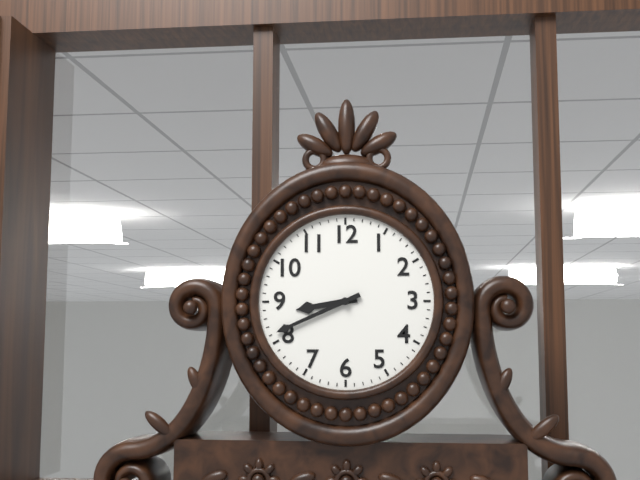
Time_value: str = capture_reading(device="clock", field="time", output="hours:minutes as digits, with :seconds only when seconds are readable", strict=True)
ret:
8:41
